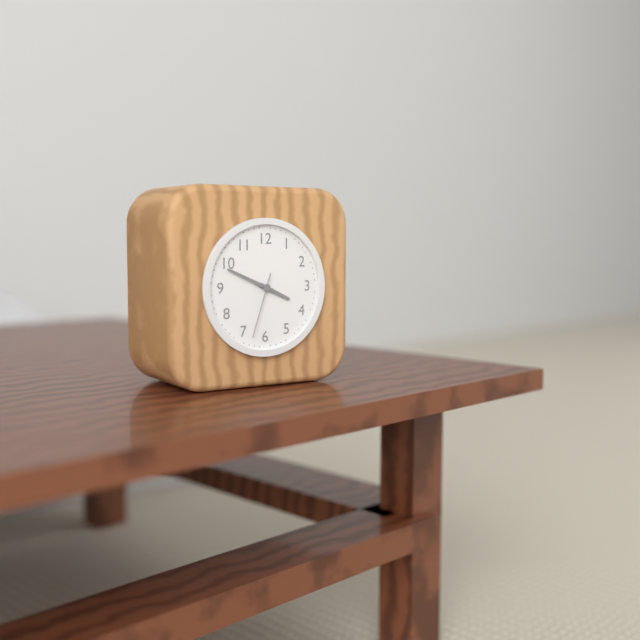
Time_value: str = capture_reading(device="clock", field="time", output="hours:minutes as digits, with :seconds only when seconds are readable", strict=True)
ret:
3:49:33
